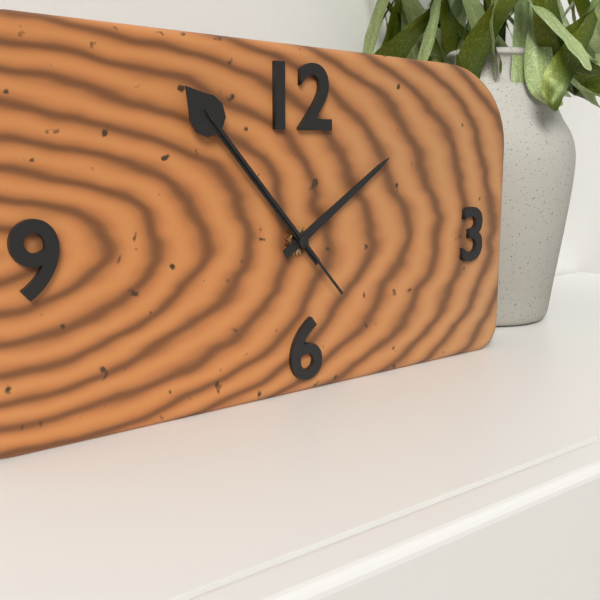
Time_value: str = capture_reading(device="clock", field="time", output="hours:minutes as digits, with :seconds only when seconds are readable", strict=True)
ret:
1:53:53
